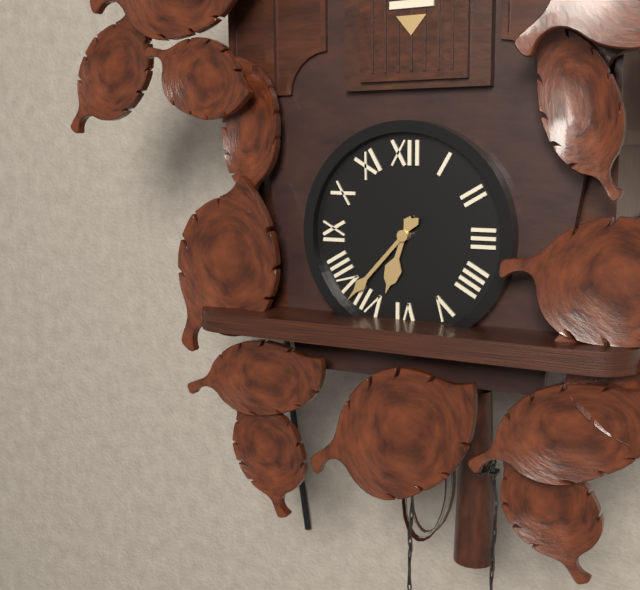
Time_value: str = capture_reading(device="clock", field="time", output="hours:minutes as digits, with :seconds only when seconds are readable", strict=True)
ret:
6:37
